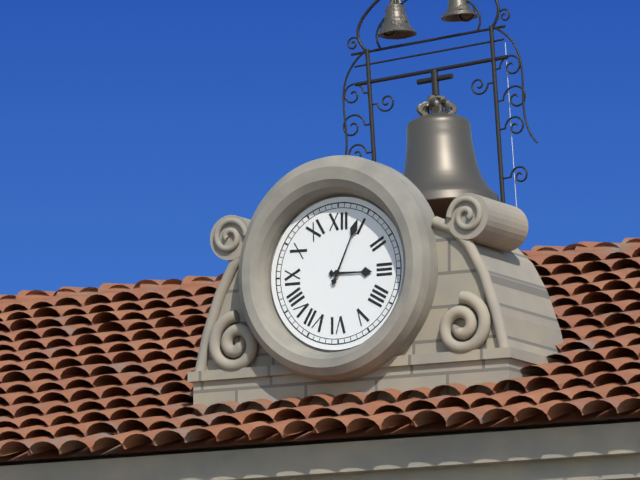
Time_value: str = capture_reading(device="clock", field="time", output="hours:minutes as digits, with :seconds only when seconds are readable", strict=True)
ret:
3:04
